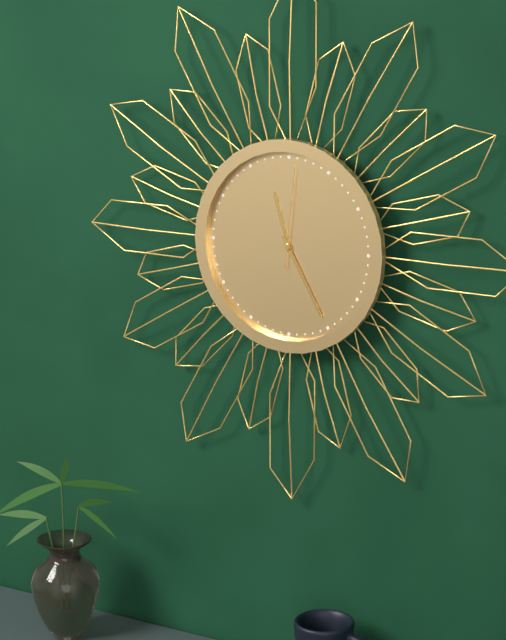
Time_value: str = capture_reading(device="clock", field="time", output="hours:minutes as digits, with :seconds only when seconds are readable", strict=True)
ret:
11:25:01
